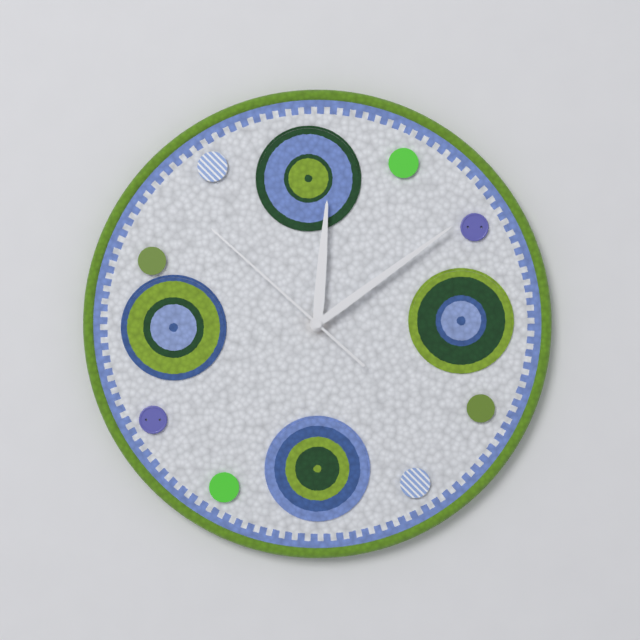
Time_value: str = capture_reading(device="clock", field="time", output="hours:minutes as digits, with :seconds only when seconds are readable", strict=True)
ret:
12:09:52
